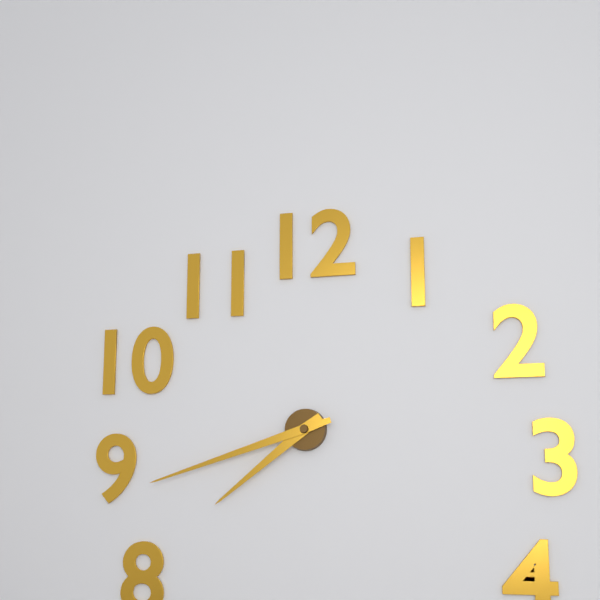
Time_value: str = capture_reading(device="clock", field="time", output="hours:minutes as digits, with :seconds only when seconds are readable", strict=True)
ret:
7:42
